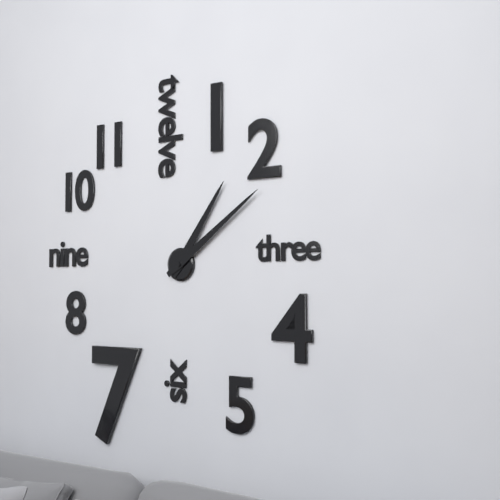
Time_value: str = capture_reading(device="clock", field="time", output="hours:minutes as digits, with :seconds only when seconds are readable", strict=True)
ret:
1:09
